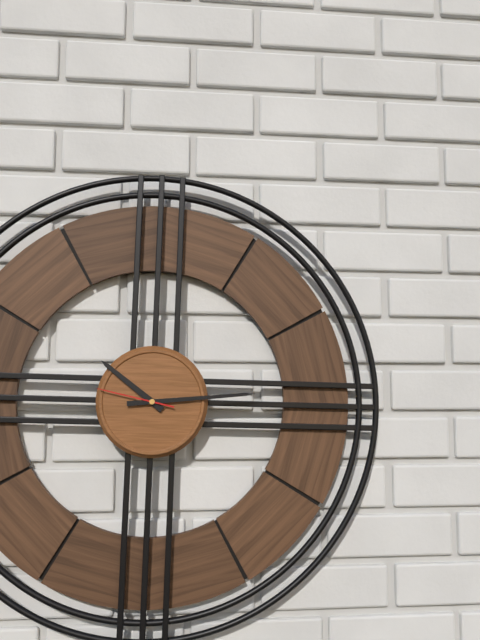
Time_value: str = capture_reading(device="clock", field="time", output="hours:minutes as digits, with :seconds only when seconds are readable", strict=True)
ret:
10:14:47
